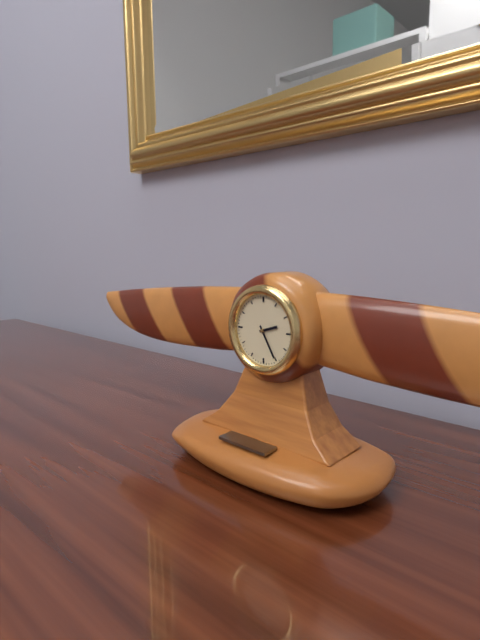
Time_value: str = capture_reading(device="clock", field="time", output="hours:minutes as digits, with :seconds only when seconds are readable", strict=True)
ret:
2:25
